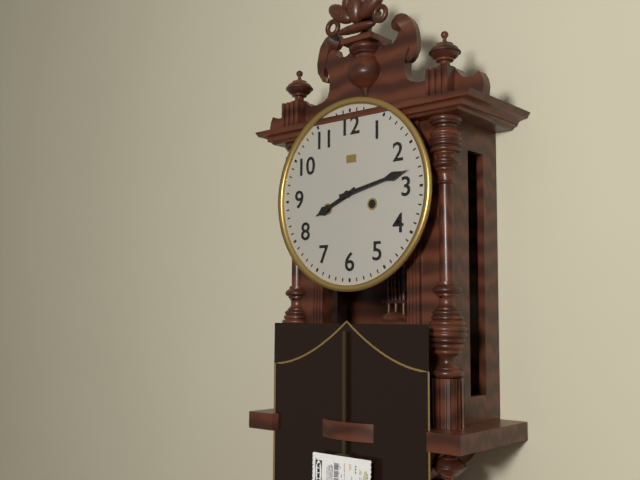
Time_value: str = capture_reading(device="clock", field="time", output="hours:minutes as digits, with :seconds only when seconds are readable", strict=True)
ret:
8:13
